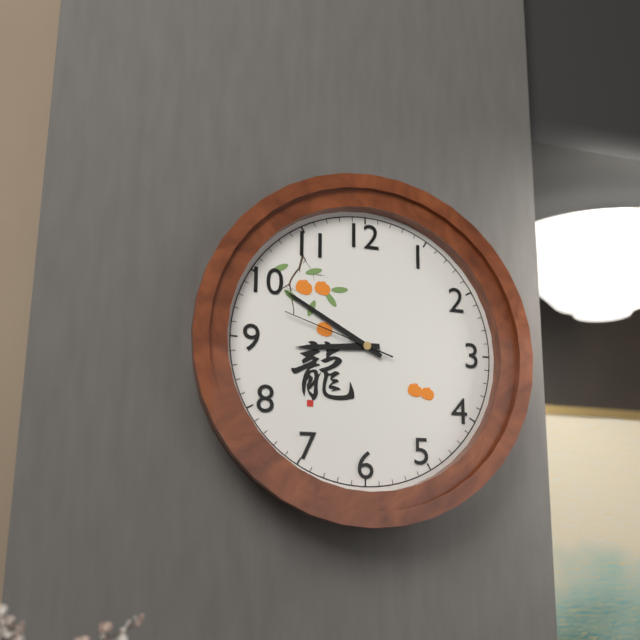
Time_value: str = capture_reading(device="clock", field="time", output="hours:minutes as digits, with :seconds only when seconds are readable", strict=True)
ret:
8:50:48
